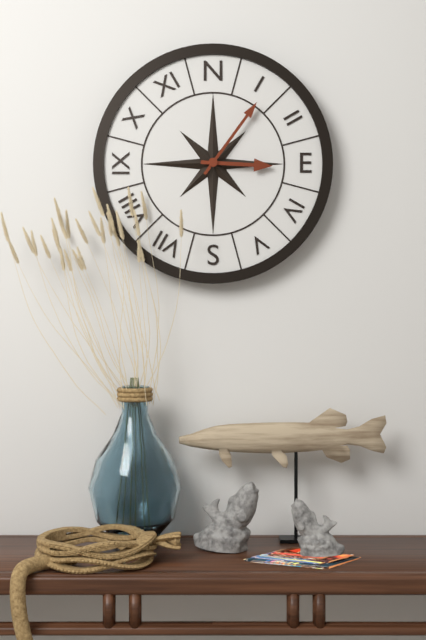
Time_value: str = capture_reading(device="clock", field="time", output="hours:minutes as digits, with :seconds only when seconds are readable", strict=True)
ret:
3:06
